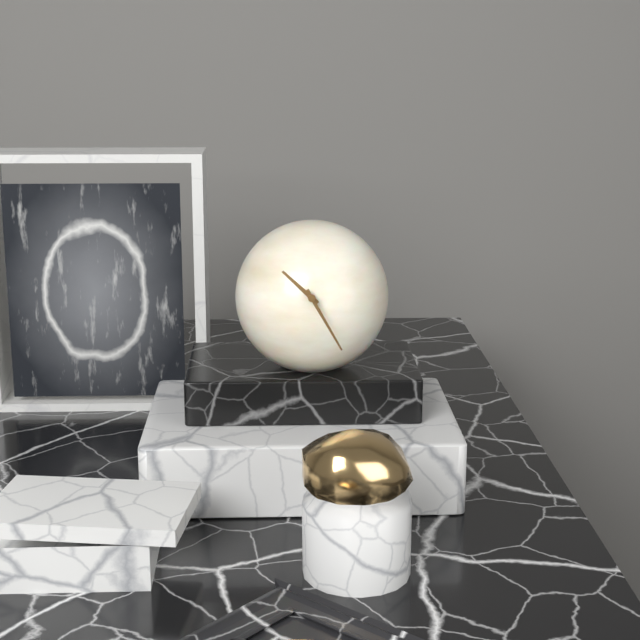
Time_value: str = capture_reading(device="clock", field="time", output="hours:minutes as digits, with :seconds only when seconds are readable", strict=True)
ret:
10:25
